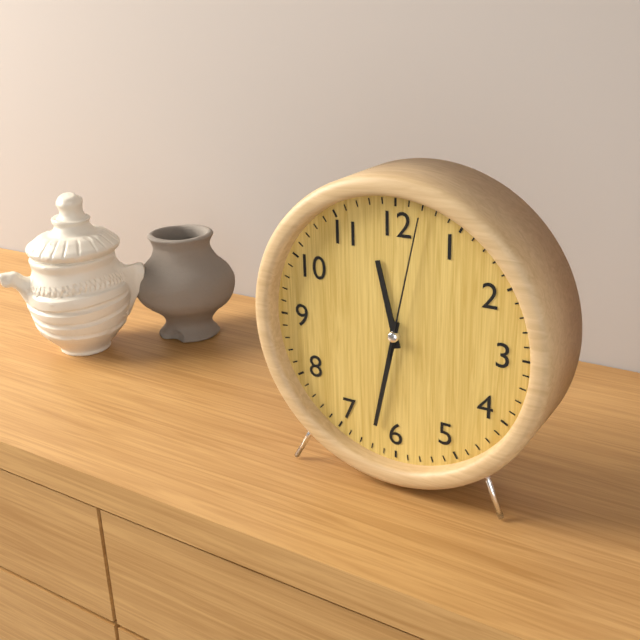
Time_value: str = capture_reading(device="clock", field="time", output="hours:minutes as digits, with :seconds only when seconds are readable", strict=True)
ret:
11:32:02
